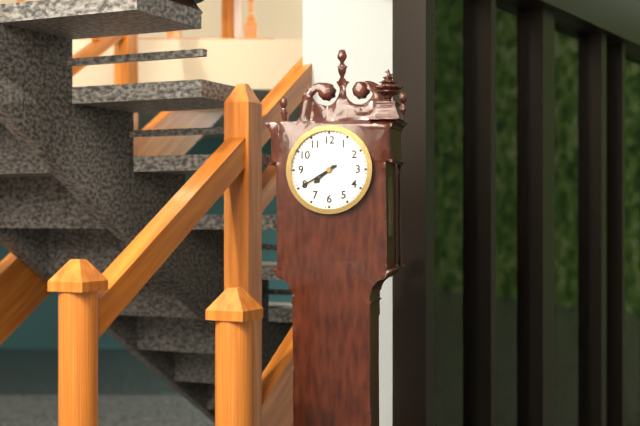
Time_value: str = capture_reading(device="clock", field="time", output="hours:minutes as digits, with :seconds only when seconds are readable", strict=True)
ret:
7:40
